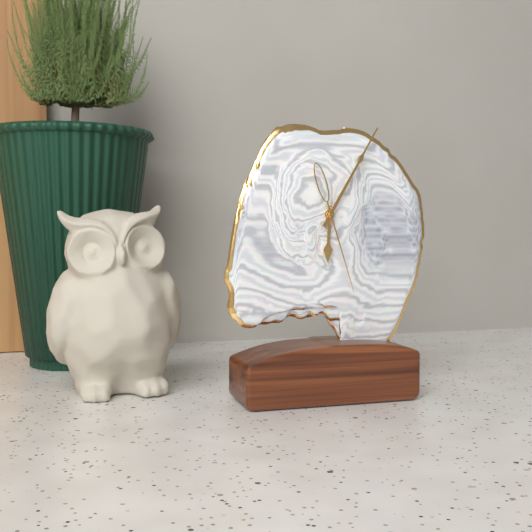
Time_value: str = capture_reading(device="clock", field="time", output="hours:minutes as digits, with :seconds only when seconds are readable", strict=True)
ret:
6:05:27
